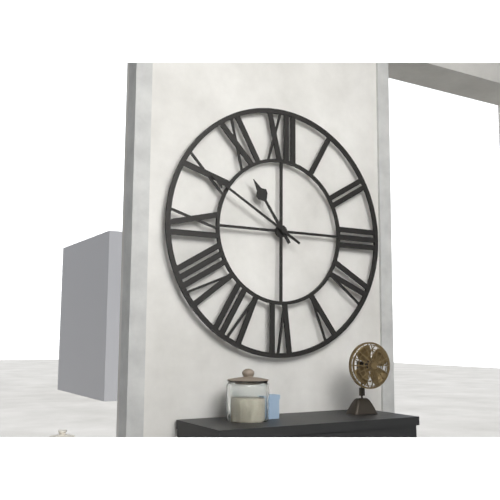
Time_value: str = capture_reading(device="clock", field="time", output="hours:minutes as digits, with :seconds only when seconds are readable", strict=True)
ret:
10:50
